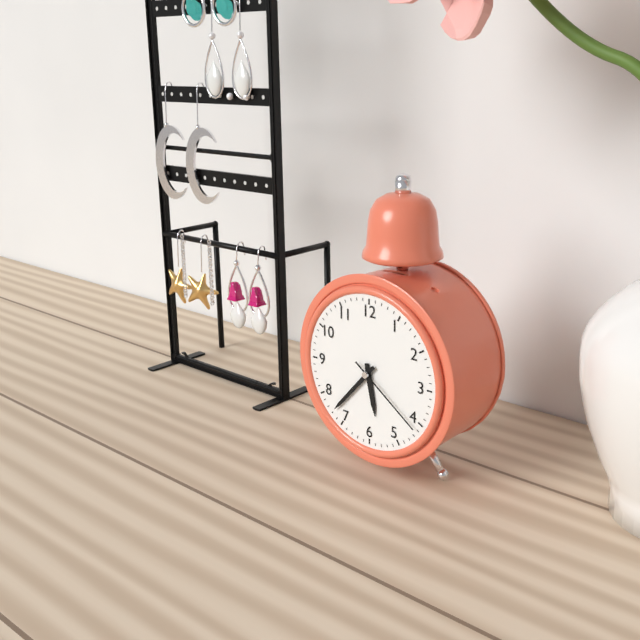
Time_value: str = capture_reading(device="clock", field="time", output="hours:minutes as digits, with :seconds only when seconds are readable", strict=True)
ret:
5:37:21
